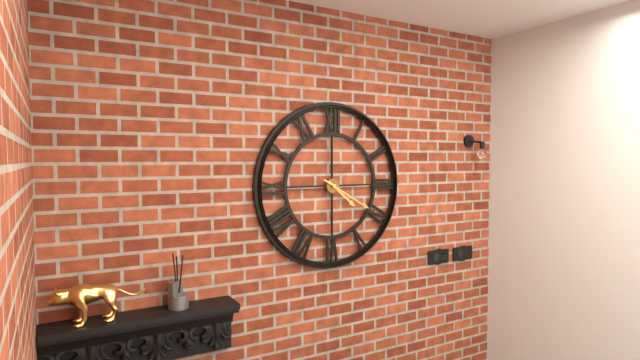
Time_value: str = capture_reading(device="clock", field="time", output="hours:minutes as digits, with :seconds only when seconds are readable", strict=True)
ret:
4:20
